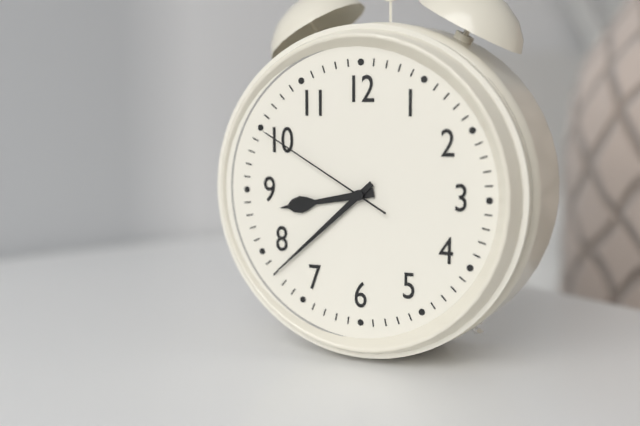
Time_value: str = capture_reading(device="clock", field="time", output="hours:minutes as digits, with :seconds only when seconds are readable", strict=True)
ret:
8:38:50
